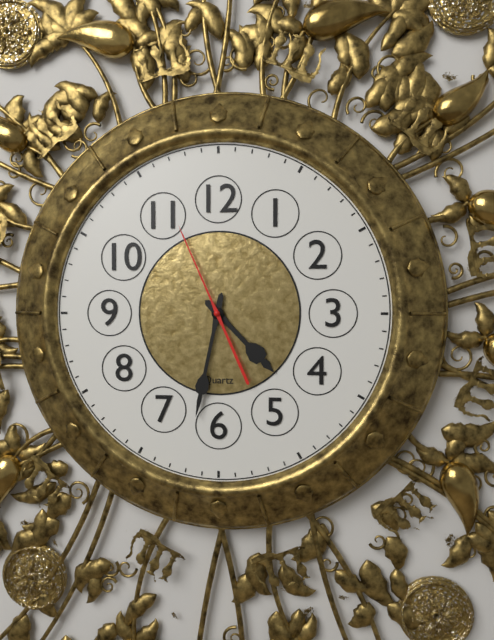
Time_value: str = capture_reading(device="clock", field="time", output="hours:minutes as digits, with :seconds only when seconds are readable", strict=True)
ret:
4:32:56
